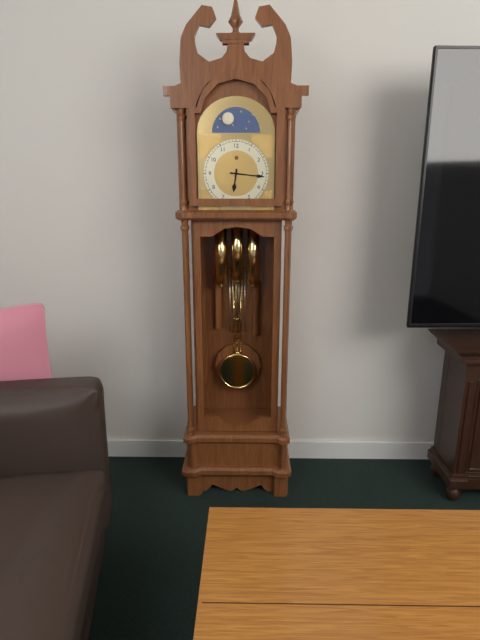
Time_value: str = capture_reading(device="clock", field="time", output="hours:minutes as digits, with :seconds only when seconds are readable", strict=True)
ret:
6:16
